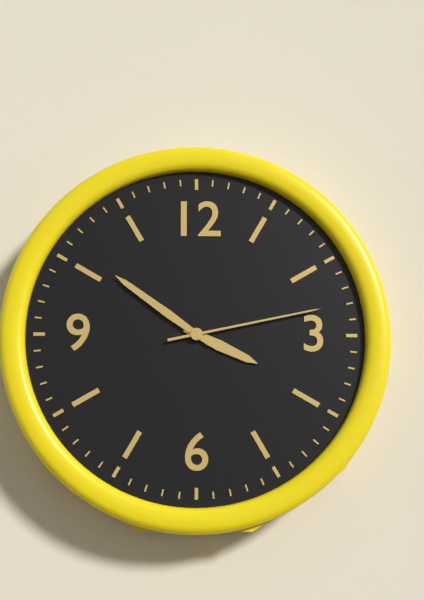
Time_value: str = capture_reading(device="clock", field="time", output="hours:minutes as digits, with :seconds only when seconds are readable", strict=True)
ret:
3:51:13
